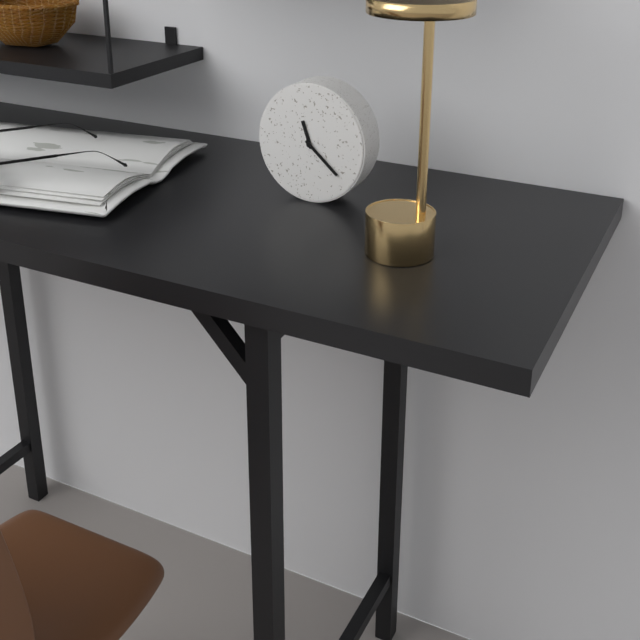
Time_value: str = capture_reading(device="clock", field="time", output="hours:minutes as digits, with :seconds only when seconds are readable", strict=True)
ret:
11:22
